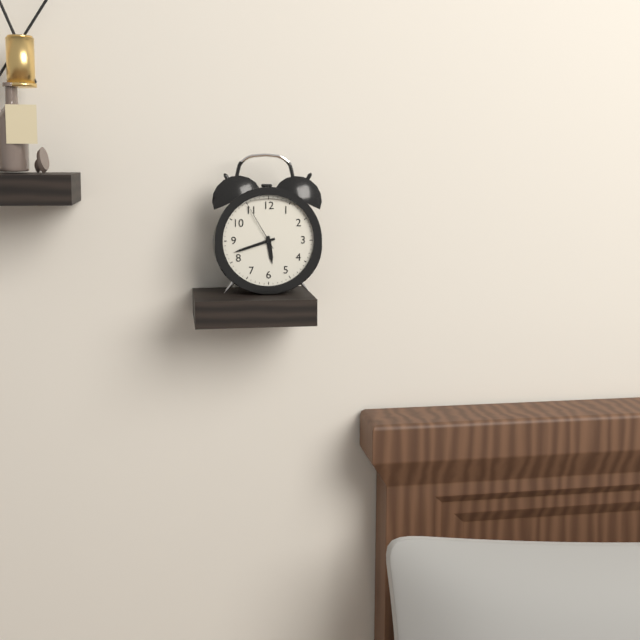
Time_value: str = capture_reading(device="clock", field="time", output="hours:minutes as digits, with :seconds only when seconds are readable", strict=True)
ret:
5:42:55
